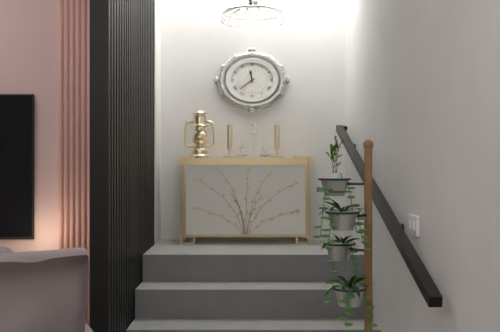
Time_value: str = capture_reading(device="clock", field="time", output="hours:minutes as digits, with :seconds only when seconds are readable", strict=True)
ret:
11:39
